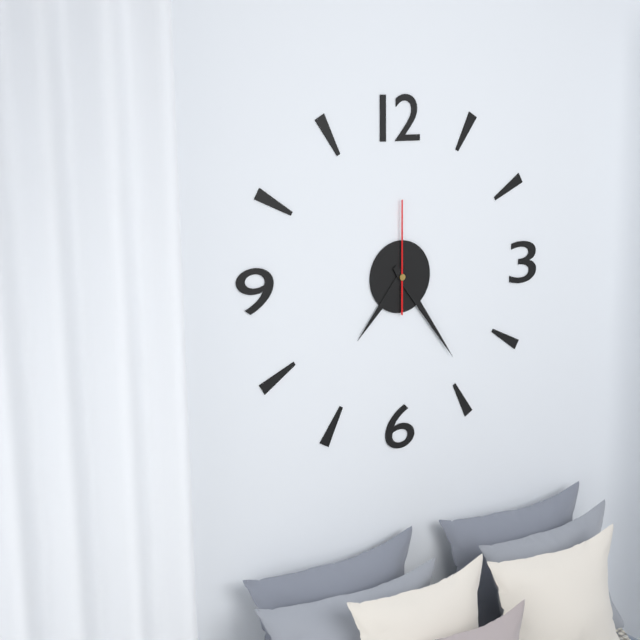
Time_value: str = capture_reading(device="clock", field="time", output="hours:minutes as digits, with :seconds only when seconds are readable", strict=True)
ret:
7:24:00
